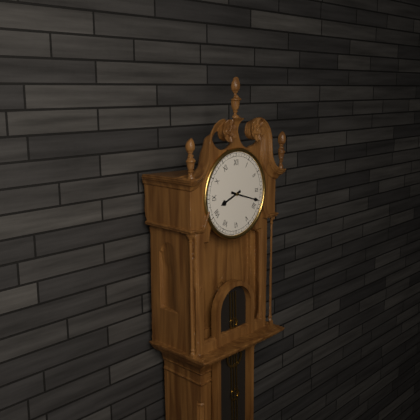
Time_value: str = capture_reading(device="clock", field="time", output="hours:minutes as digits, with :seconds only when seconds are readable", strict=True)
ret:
8:18
